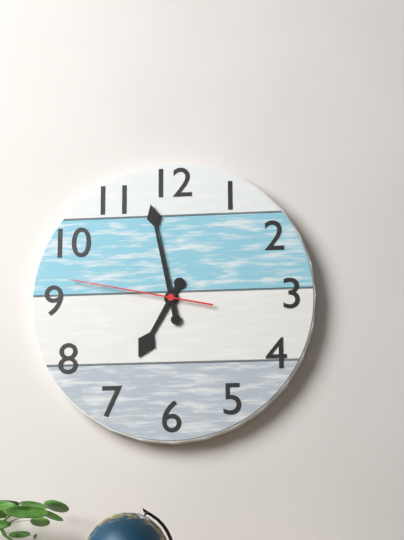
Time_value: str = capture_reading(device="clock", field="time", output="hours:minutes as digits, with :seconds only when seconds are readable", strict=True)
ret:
6:58:47
